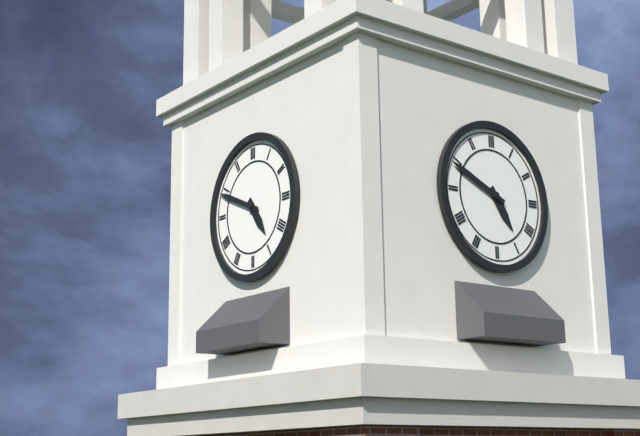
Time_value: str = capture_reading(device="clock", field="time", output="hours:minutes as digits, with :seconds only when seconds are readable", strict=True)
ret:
4:49
